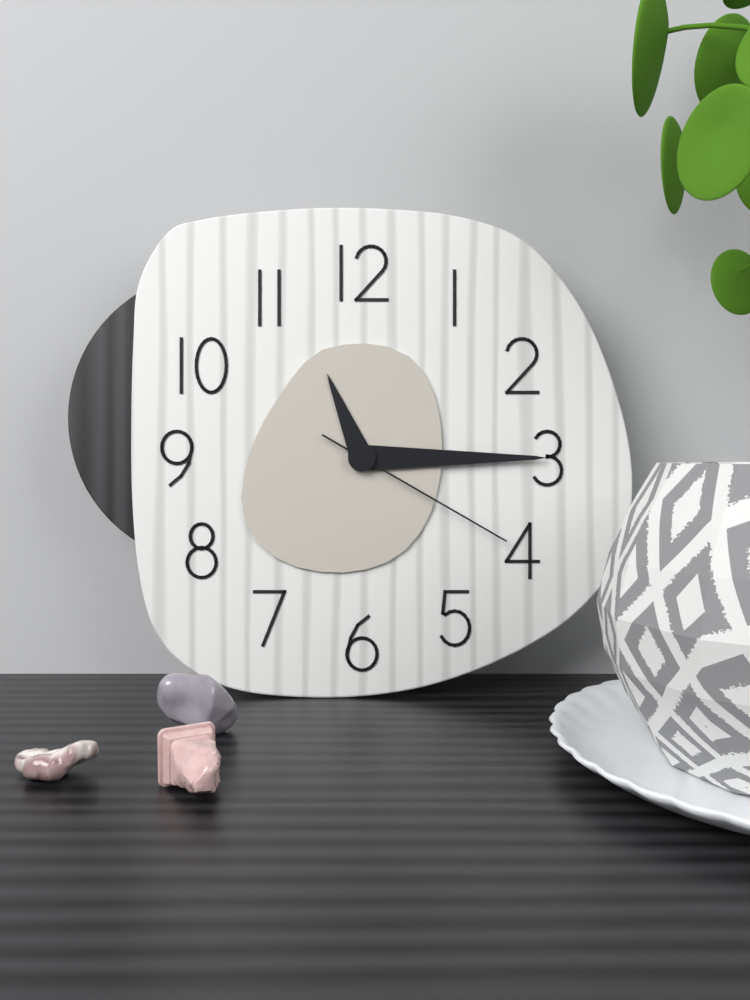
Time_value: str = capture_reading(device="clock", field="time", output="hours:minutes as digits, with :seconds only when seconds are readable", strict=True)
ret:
11:15:20
